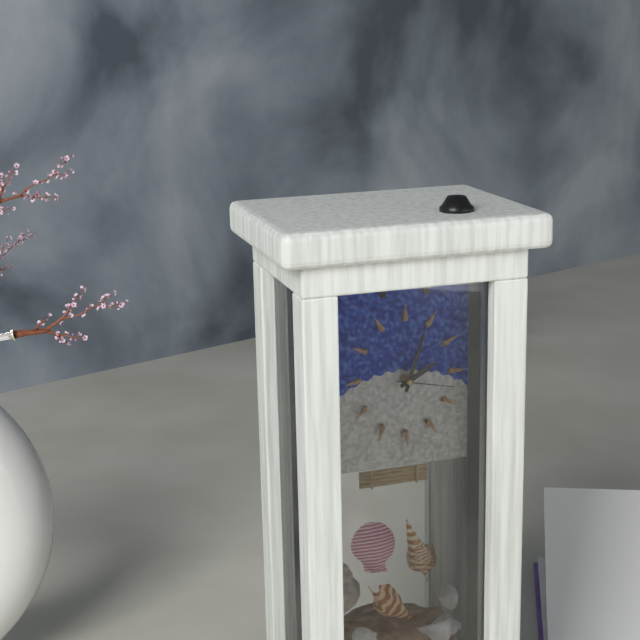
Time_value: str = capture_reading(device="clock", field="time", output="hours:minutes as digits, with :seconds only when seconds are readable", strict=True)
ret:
2:03:17
